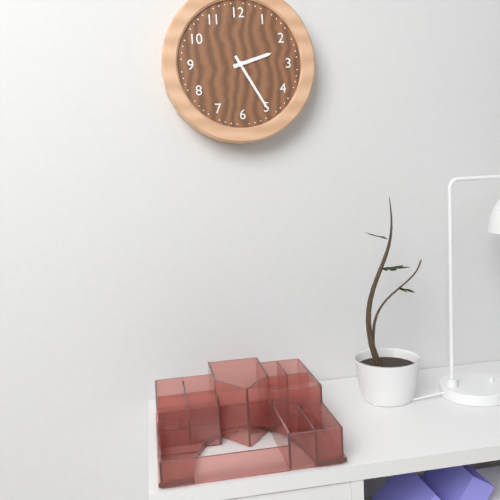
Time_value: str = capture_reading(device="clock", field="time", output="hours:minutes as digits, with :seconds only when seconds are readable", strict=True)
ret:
2:25
